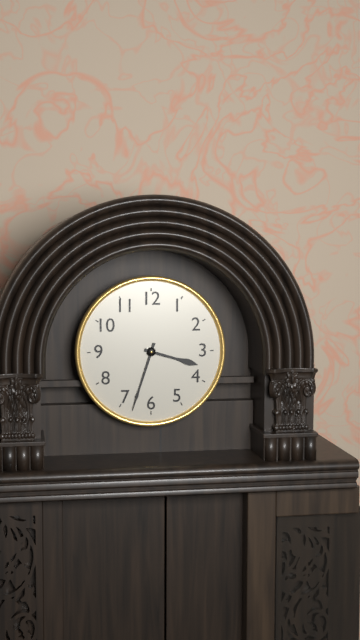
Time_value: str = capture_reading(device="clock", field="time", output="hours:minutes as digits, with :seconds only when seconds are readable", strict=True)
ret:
3:33
